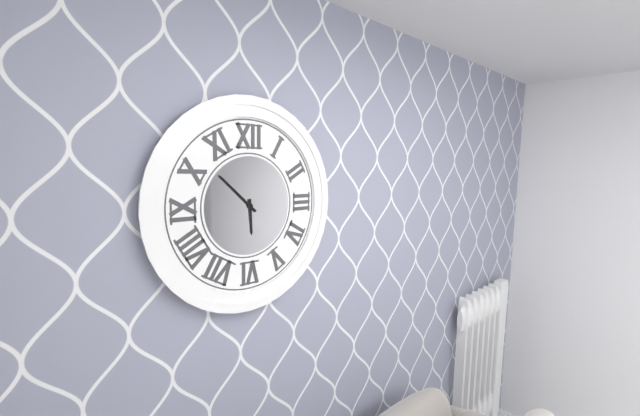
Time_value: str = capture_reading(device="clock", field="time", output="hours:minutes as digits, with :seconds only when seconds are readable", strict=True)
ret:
5:52
